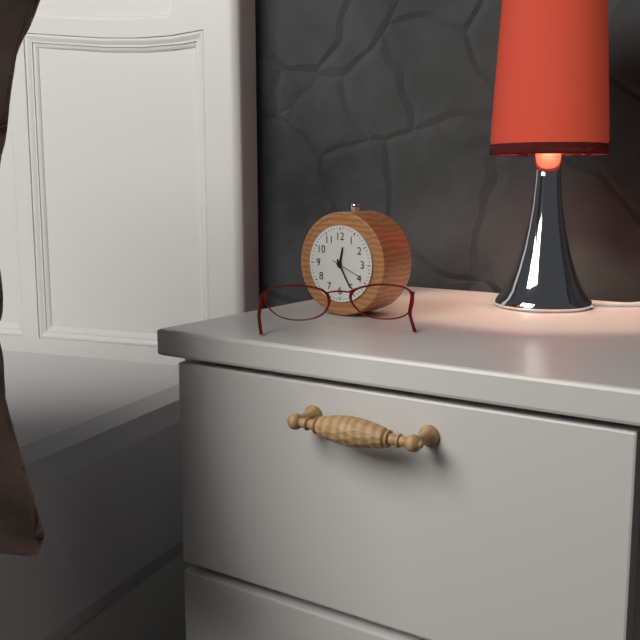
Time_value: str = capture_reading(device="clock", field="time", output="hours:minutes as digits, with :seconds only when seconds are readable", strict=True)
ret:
12:25
